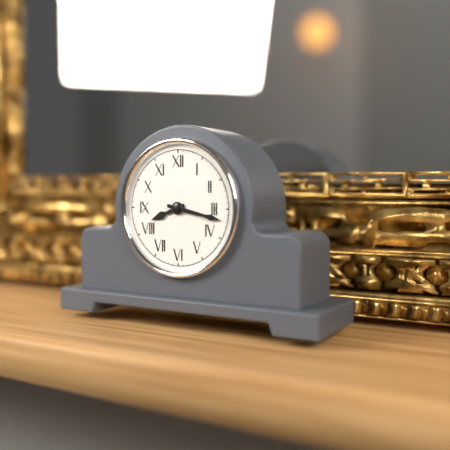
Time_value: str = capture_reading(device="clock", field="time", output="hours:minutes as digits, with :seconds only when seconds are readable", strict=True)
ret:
8:17
